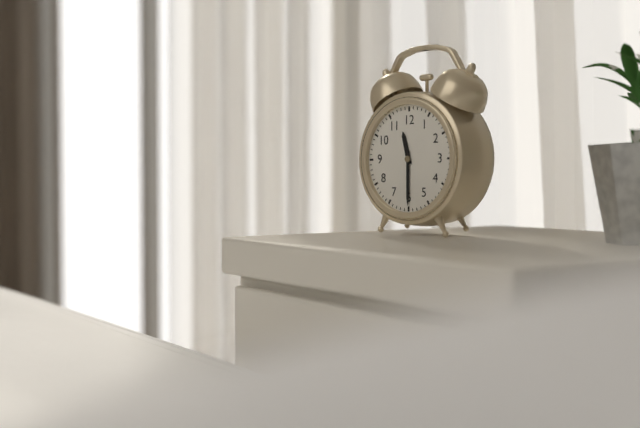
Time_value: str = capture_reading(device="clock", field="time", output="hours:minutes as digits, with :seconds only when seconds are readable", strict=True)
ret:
11:30
